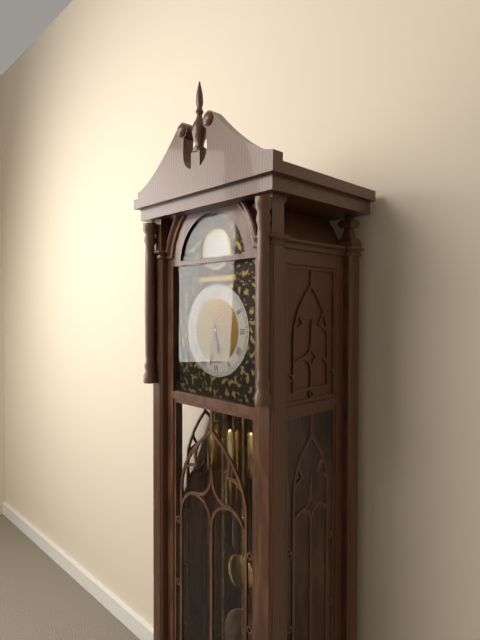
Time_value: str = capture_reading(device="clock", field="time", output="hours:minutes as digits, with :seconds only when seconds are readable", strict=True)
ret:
5:32
